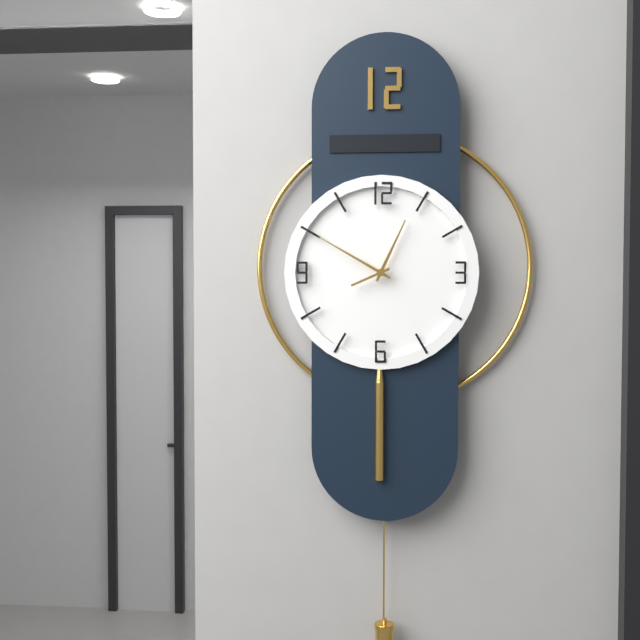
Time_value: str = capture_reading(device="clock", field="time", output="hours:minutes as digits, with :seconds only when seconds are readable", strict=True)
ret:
12:50
